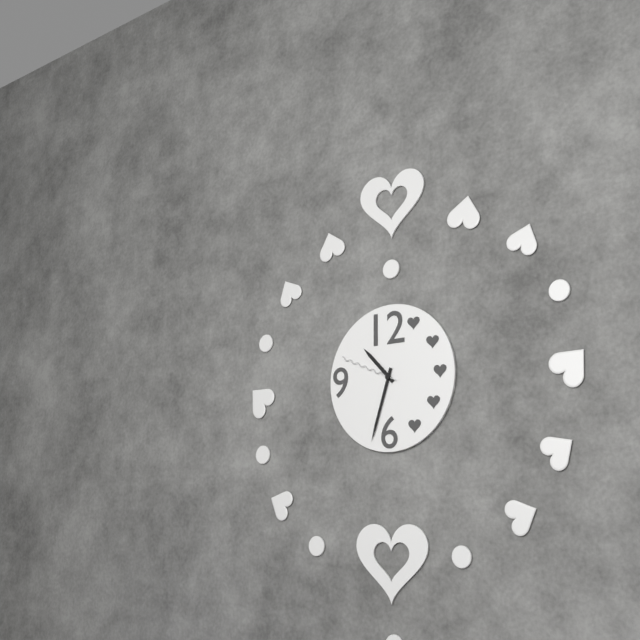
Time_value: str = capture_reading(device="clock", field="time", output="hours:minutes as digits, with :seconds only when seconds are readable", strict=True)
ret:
10:33:49
